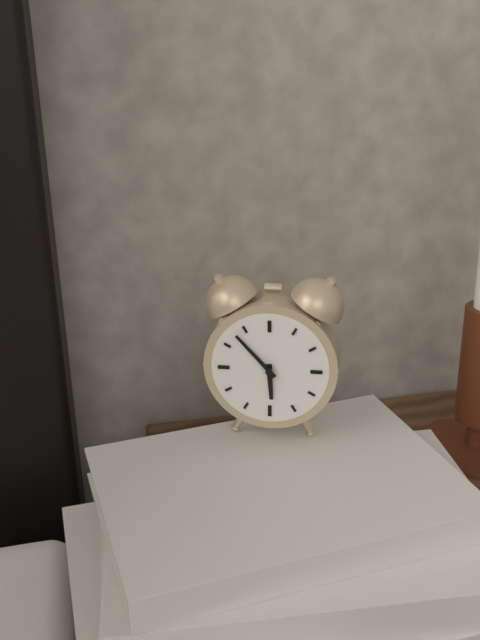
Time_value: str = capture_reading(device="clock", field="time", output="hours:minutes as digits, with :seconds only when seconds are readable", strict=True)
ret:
5:53
